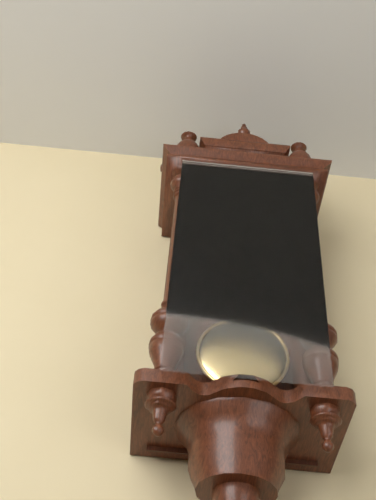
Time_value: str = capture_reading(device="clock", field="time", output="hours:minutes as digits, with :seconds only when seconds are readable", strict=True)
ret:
12:49
